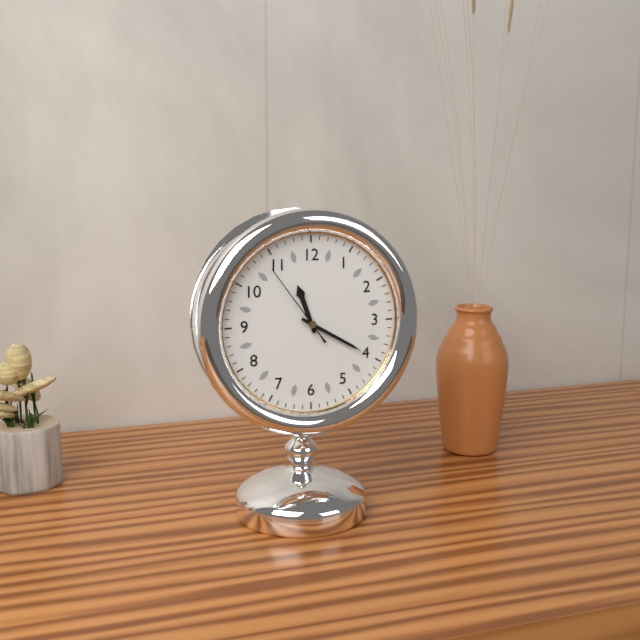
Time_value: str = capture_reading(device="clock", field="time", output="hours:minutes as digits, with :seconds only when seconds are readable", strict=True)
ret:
11:20:54
